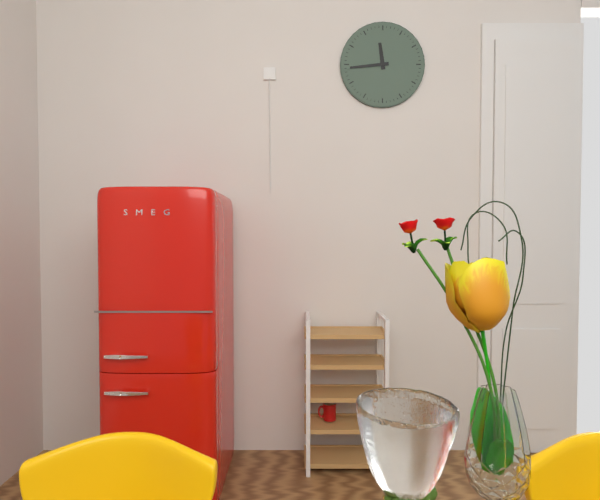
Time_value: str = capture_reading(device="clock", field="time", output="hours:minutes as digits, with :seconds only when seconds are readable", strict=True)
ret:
11:44
